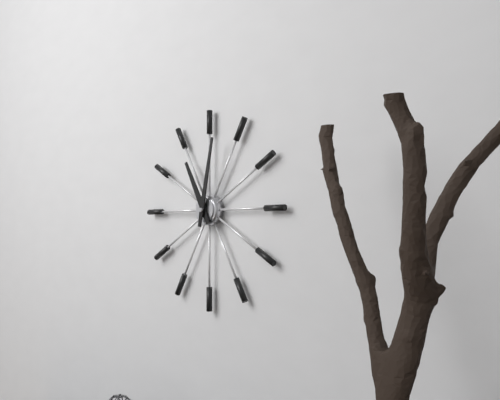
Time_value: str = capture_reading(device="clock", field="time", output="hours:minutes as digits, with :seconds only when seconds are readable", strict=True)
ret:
11:02
